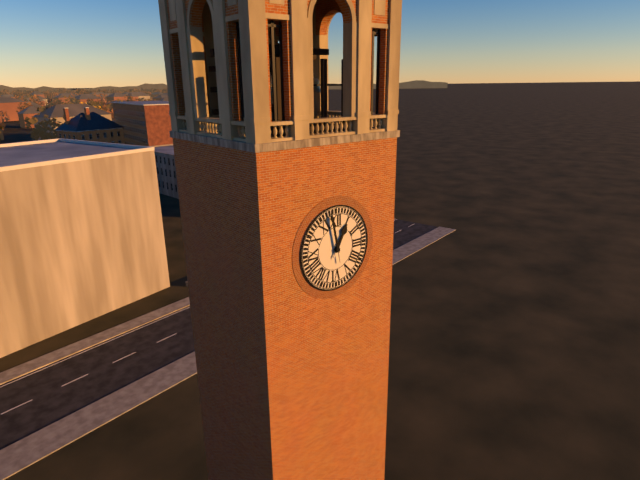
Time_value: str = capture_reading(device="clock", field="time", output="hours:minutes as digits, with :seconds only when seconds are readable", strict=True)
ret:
12:58
